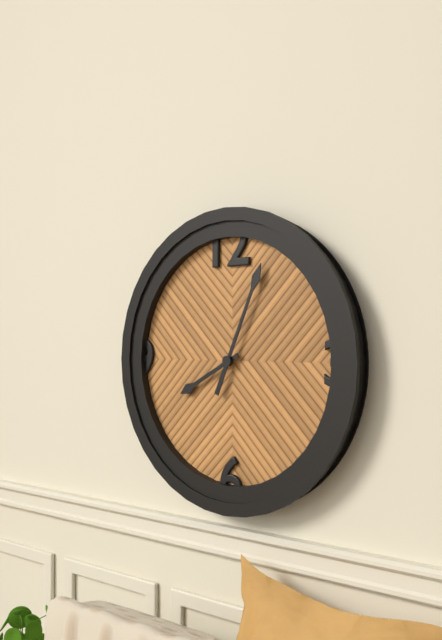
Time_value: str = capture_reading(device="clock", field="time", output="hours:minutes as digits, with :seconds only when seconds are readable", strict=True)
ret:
8:04
